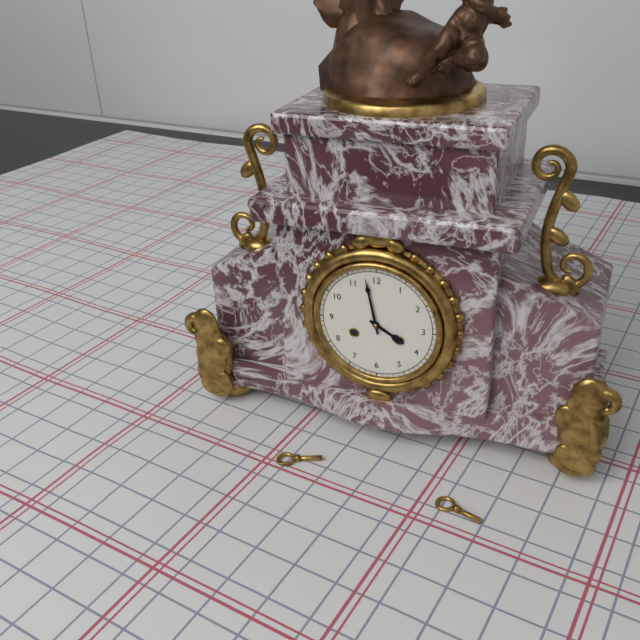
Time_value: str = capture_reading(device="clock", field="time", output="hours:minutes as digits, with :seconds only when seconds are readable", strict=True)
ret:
3:58
